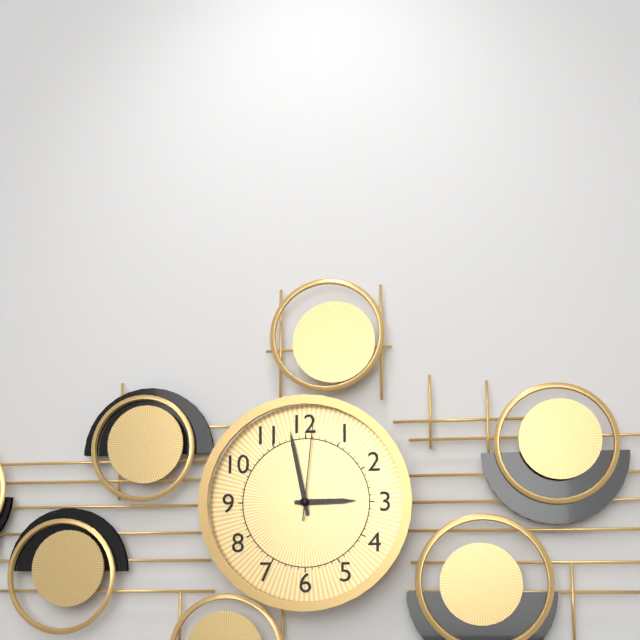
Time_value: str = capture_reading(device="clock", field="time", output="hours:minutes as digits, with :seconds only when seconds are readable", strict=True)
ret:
2:58:01
